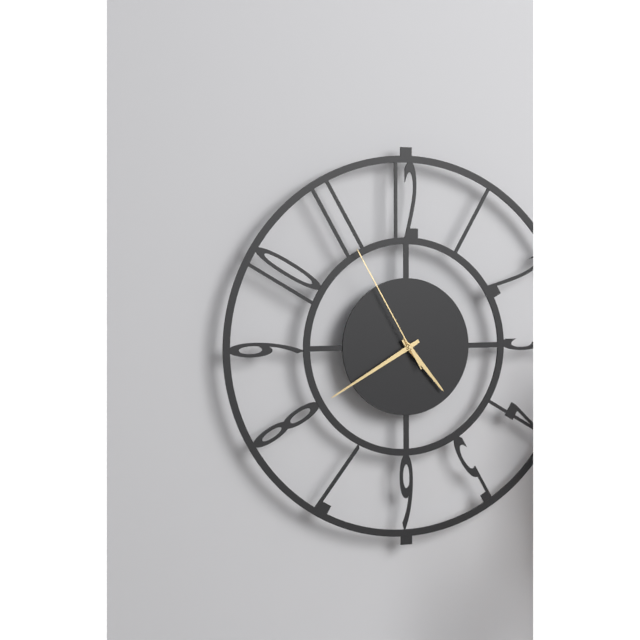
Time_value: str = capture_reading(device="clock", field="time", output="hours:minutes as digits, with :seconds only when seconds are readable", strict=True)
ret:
4:40:55
